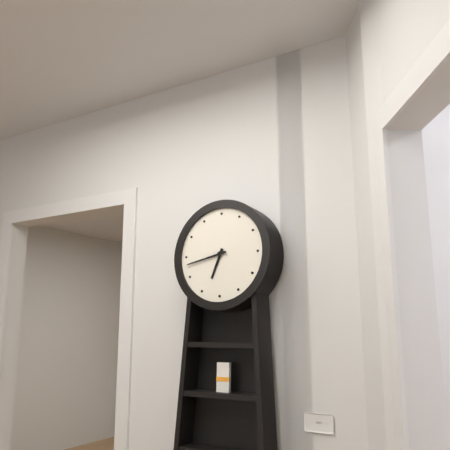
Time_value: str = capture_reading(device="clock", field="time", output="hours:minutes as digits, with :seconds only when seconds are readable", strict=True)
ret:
6:43
